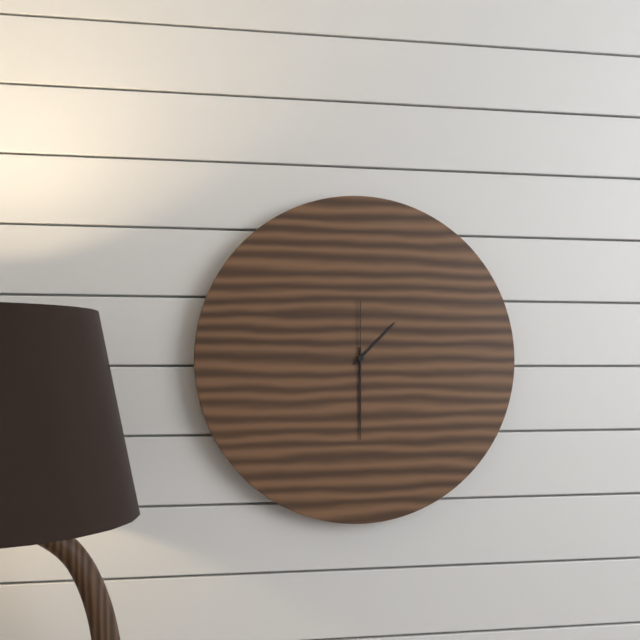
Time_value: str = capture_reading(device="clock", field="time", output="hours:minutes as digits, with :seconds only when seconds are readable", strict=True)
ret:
1:30:00
